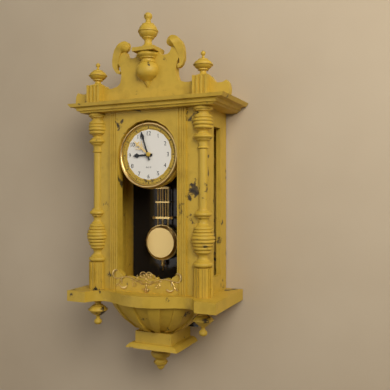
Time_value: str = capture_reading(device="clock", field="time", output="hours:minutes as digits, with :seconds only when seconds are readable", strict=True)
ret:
8:57
